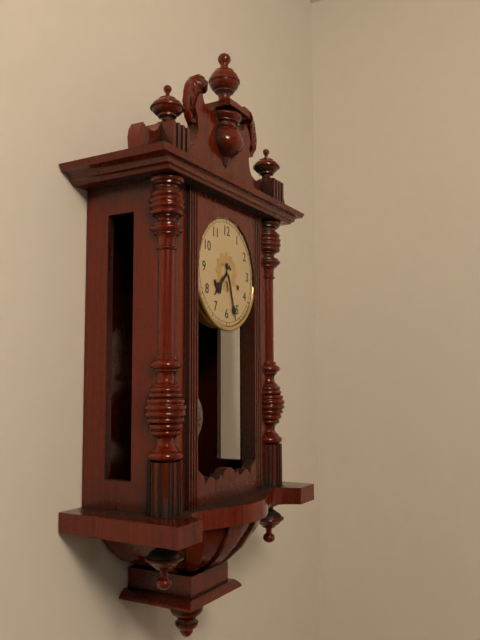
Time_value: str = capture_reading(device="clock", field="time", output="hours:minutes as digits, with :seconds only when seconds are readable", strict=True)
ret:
7:27
